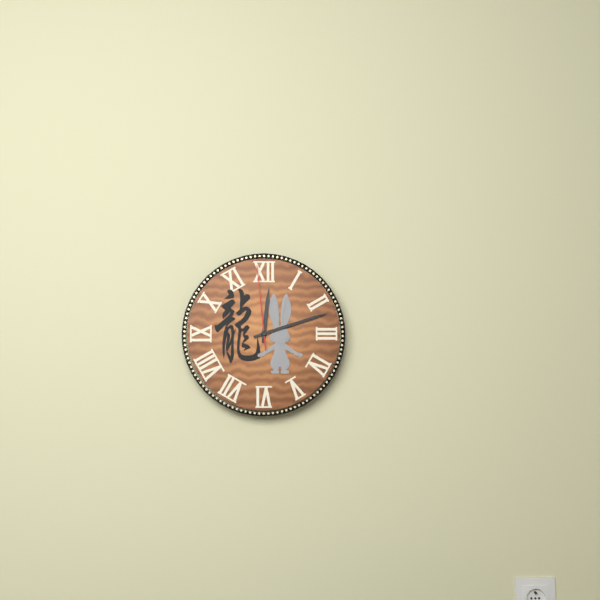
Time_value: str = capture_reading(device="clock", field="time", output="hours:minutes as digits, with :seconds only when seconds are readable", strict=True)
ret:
12:12:59
